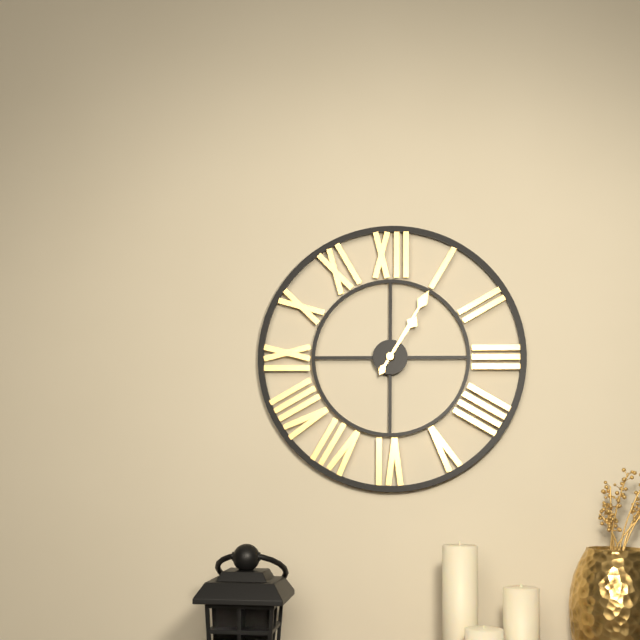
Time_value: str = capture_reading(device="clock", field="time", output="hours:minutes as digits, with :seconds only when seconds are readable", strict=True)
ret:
1:05
